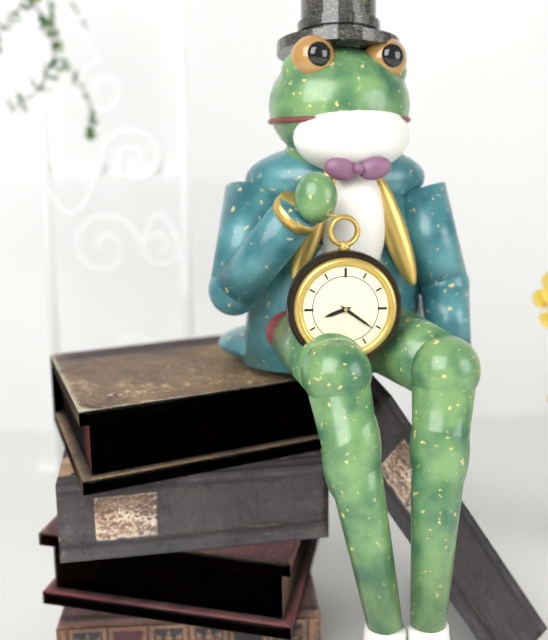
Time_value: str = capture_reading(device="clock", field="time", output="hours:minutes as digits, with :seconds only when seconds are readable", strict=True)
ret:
8:21
